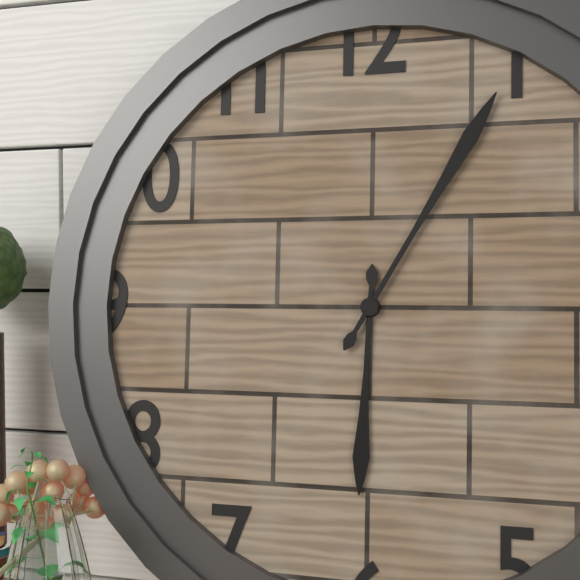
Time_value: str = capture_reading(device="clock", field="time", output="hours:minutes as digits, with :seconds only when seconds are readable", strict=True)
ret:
6:05
